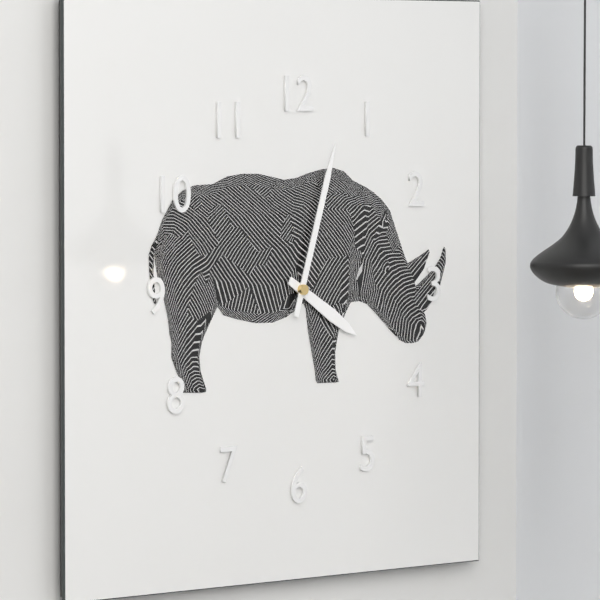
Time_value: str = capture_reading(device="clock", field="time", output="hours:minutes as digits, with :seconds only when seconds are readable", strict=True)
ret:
4:03
